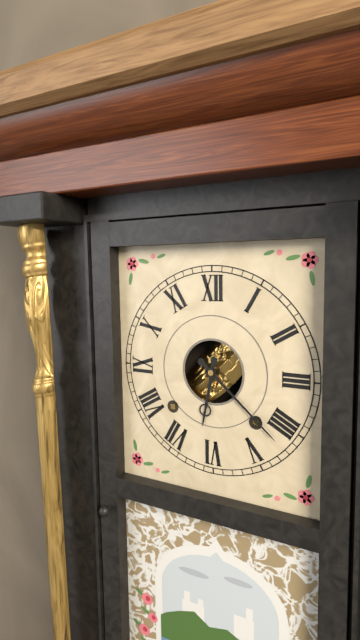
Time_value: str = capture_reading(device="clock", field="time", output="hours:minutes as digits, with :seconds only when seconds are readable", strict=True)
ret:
6:22
